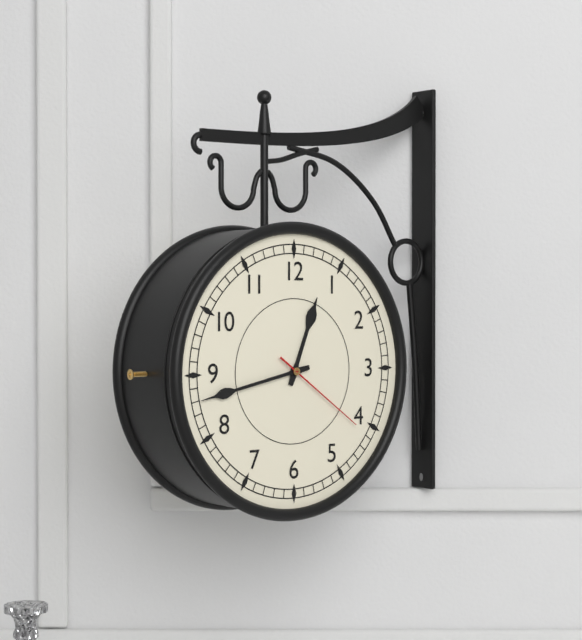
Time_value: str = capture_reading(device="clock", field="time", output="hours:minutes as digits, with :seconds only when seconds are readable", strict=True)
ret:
12:43:21
